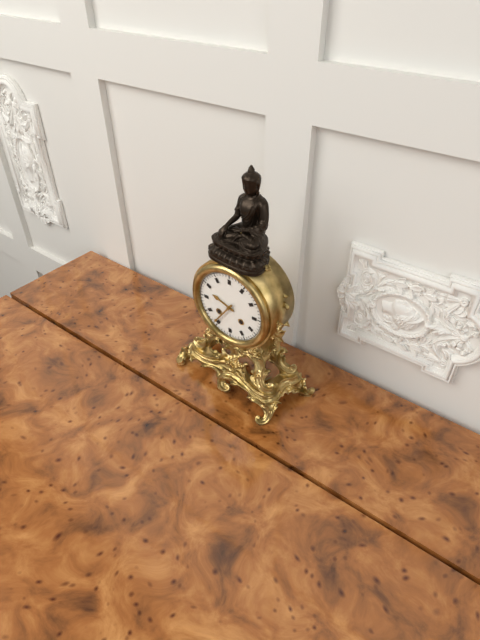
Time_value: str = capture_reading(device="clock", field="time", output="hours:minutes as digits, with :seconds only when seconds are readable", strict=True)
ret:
9:36
